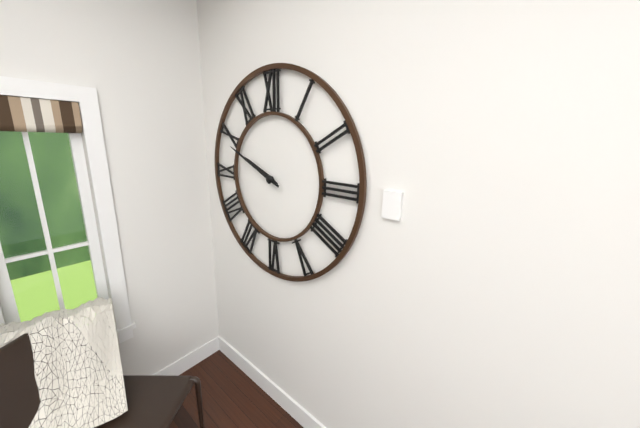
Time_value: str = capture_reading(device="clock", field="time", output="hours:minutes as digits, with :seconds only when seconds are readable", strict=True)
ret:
9:49
